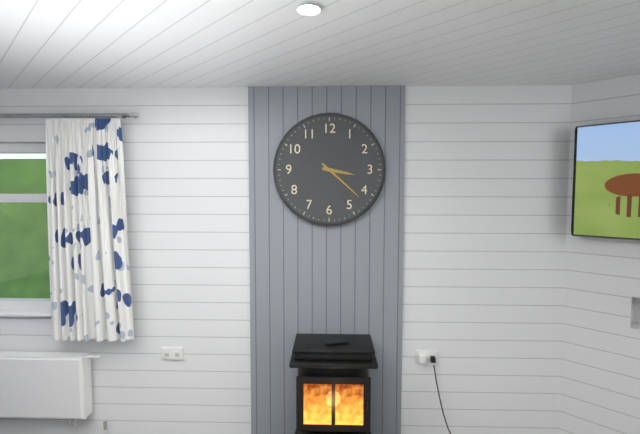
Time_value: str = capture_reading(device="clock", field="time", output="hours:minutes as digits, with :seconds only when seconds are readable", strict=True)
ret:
3:22
